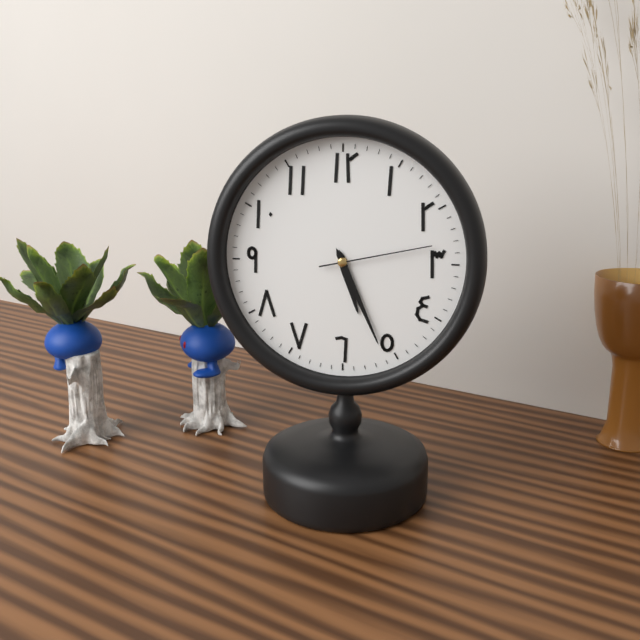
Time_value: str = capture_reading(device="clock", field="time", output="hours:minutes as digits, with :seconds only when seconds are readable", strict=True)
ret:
5:26:13
